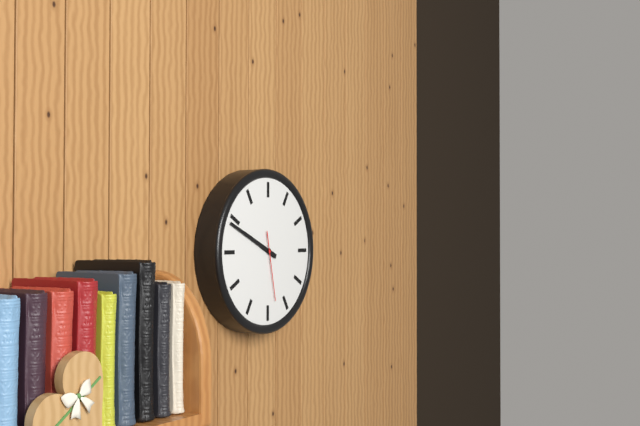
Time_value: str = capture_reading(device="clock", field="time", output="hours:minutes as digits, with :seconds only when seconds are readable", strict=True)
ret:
9:49:28
